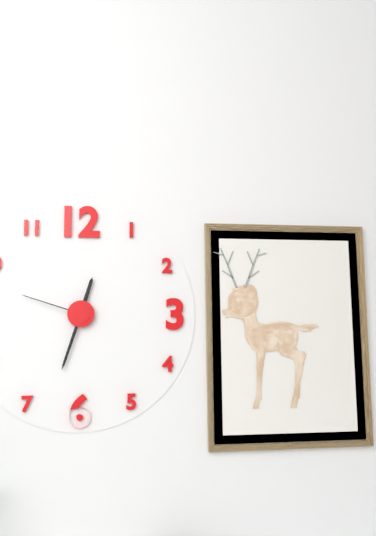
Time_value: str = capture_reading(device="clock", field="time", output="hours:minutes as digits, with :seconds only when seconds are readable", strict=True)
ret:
12:33:48
